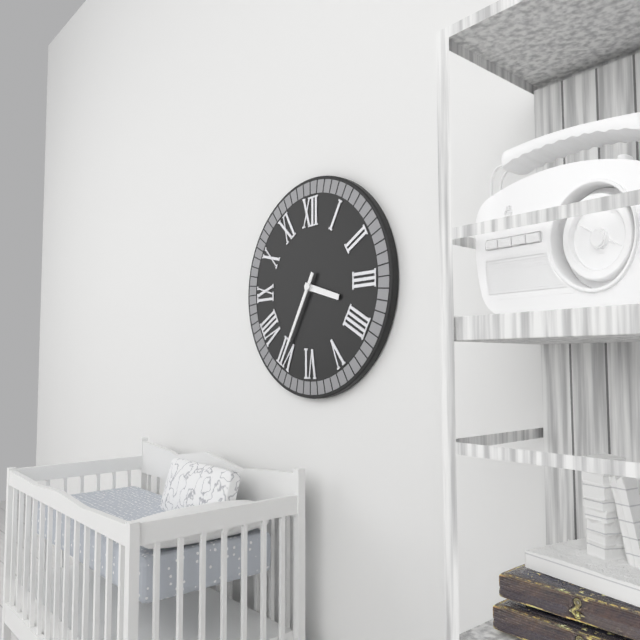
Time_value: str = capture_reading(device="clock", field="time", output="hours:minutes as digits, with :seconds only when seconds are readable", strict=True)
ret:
3:35
